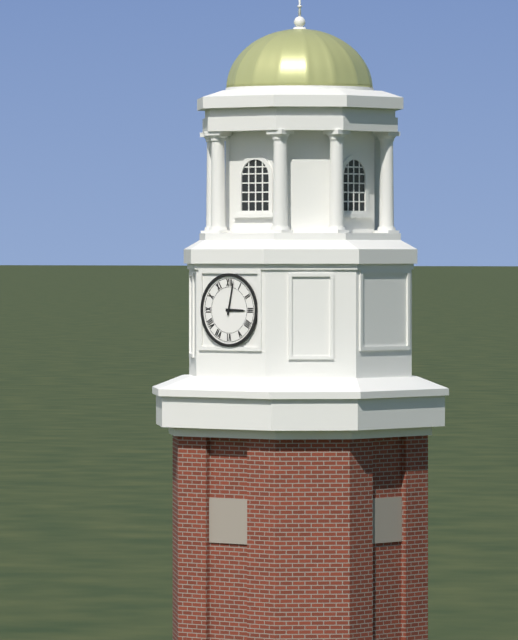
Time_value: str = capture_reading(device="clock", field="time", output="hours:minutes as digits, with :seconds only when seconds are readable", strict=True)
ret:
3:02
